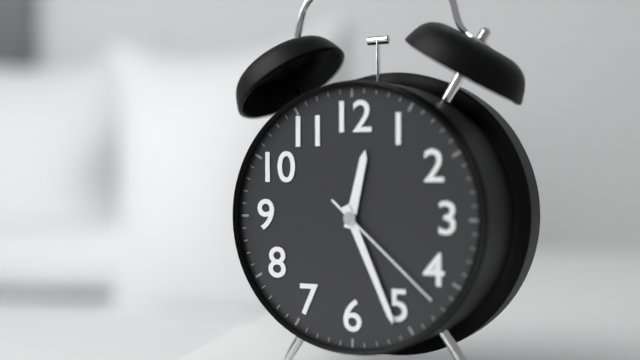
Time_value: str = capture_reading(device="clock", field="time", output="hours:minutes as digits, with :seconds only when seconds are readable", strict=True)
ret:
12:26:22
